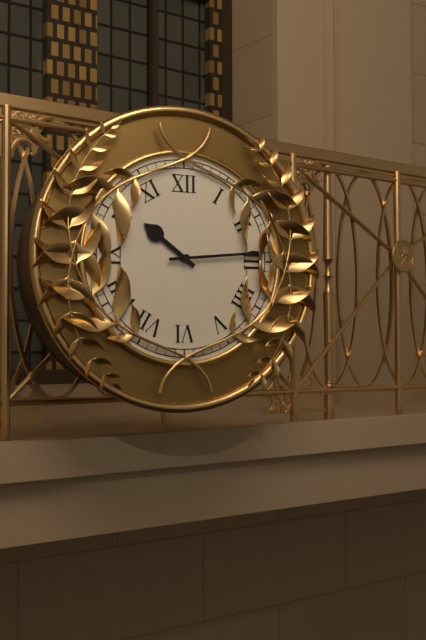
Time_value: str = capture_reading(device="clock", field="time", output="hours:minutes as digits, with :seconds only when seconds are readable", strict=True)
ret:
10:14
